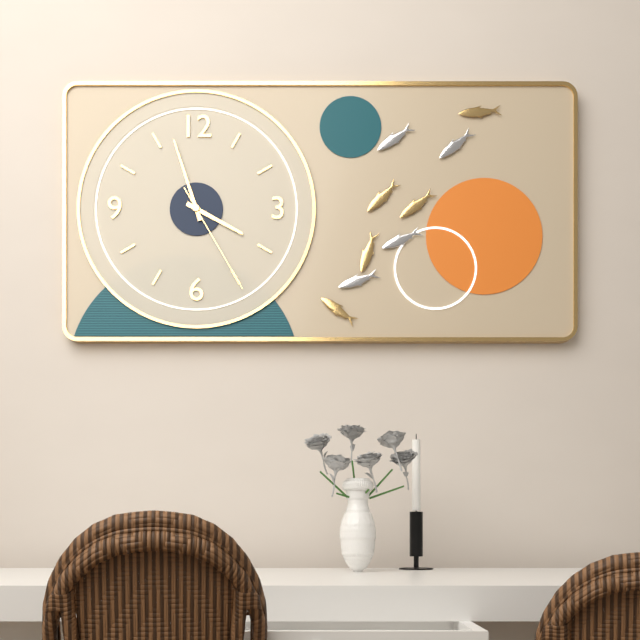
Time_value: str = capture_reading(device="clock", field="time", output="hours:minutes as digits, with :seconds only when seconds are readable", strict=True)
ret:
3:57:25
